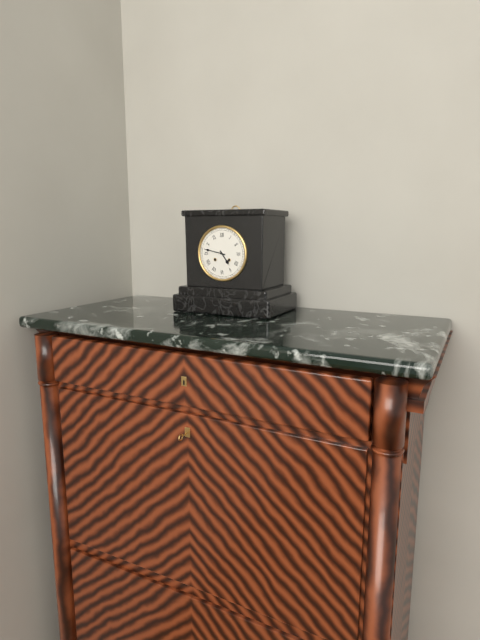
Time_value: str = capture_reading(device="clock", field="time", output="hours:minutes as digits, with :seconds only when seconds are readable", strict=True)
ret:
4:47
